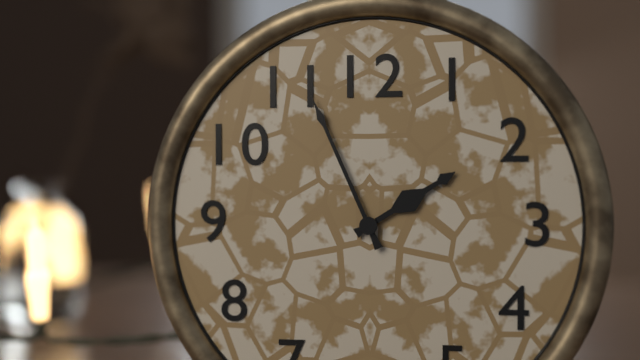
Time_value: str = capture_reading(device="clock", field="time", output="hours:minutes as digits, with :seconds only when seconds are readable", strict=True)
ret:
1:56
